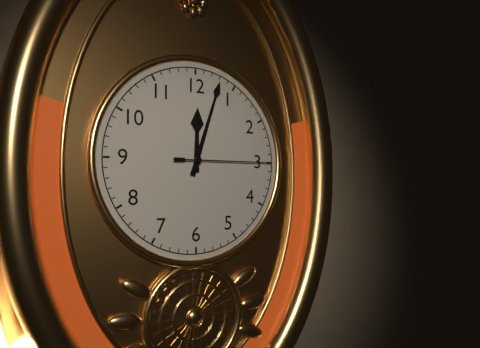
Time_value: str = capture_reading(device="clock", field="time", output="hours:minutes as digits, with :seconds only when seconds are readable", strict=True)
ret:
12:03:15
